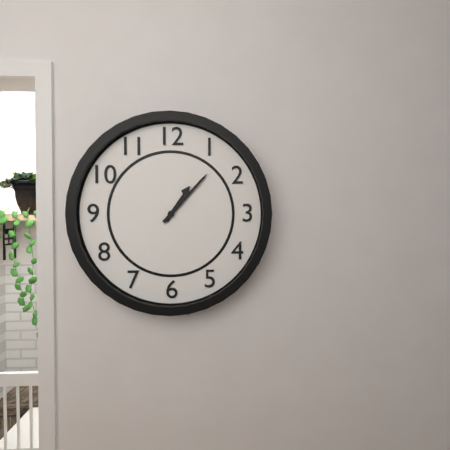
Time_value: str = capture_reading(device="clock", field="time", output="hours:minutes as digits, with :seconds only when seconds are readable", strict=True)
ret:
1:07
